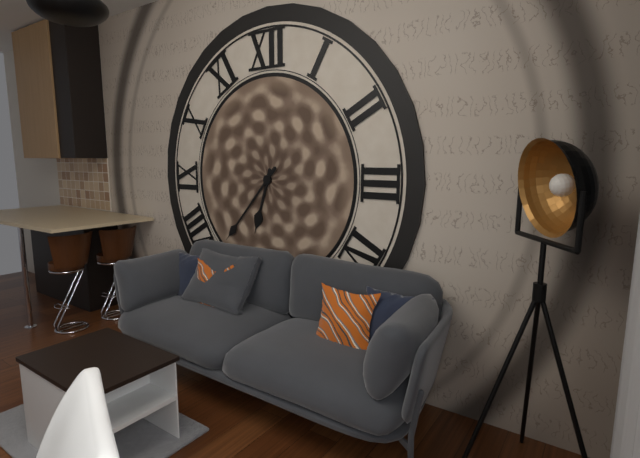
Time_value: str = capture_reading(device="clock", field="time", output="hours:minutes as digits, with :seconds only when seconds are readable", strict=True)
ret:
6:37
